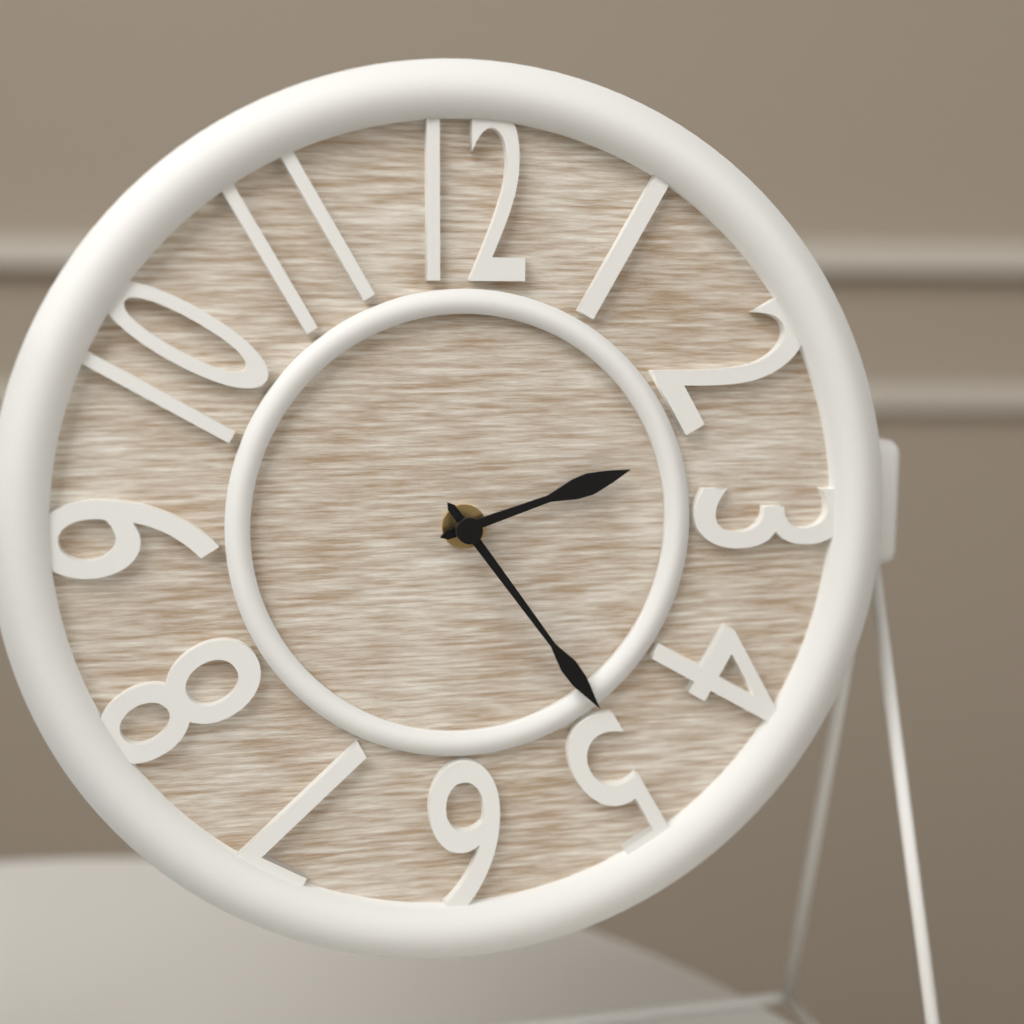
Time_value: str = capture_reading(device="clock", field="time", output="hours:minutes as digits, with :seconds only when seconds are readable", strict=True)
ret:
2:24
